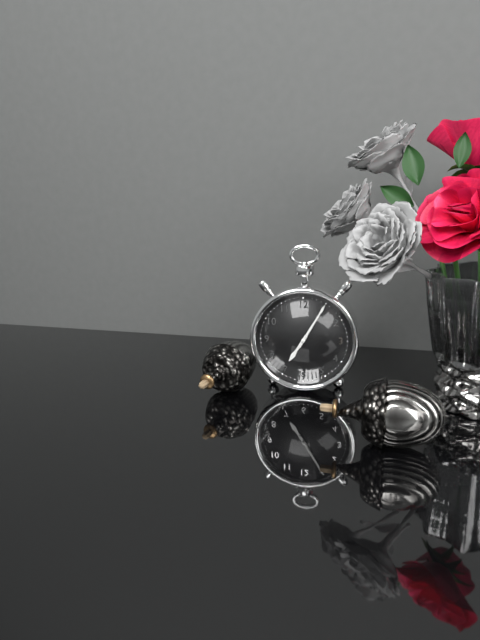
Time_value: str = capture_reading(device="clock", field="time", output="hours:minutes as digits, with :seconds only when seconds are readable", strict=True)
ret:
7:05
